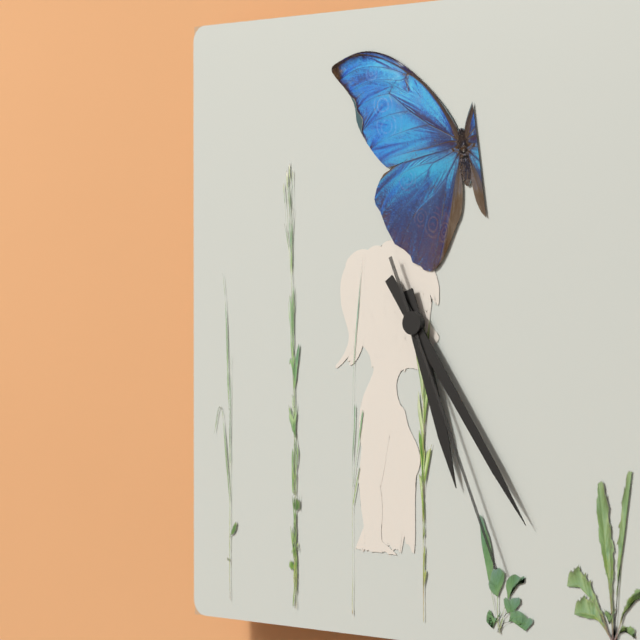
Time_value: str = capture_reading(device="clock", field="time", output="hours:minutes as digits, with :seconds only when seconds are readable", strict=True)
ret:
5:24:26
